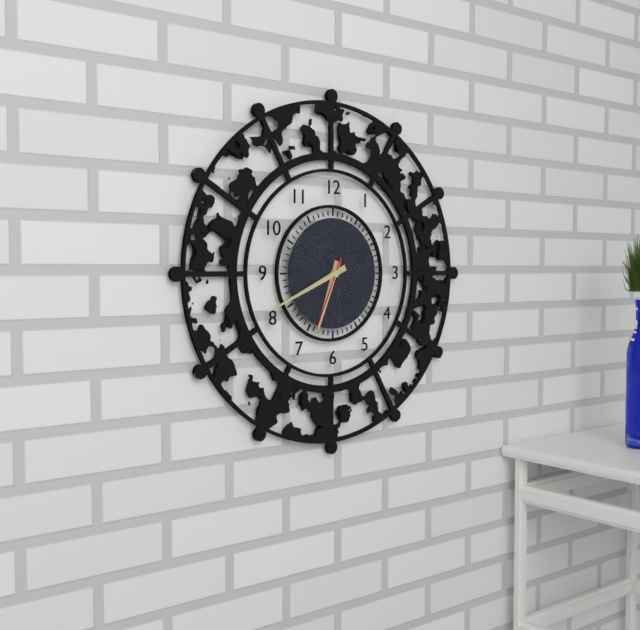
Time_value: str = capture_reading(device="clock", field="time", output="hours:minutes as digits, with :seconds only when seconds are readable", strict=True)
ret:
6:41:34
